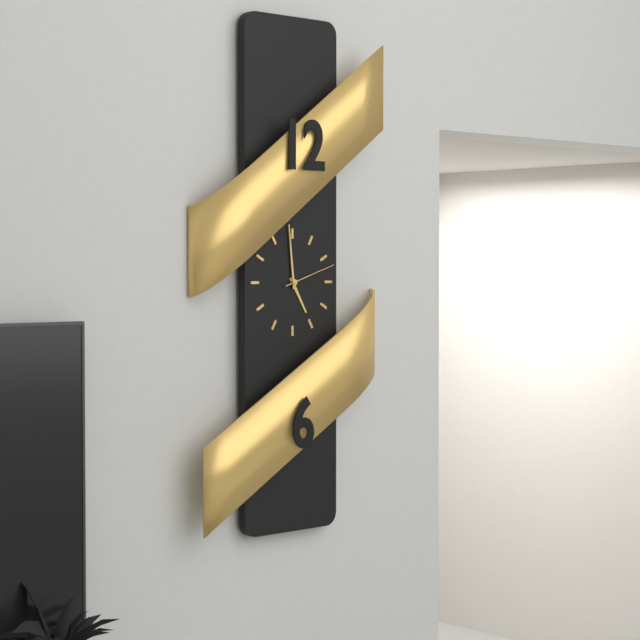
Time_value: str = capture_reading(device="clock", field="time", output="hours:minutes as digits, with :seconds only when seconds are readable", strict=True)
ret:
4:59:12
